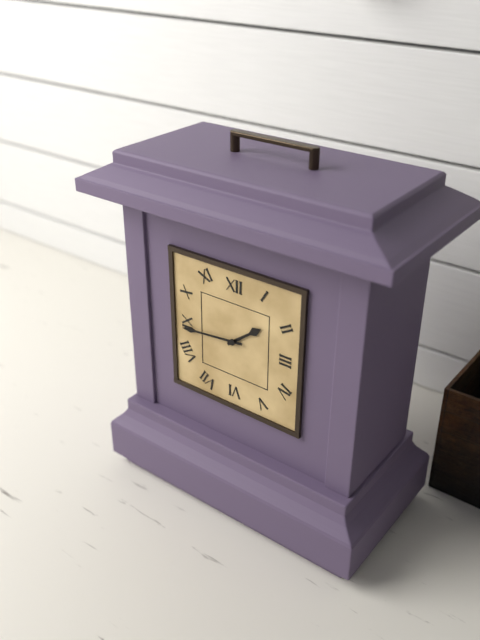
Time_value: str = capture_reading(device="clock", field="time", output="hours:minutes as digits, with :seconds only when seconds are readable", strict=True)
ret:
1:44
